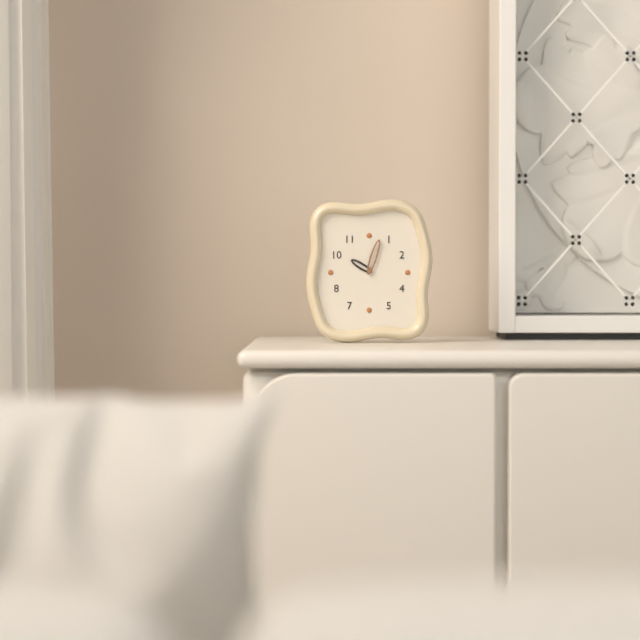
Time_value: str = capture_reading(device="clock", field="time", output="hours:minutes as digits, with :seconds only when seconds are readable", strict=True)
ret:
10:03
